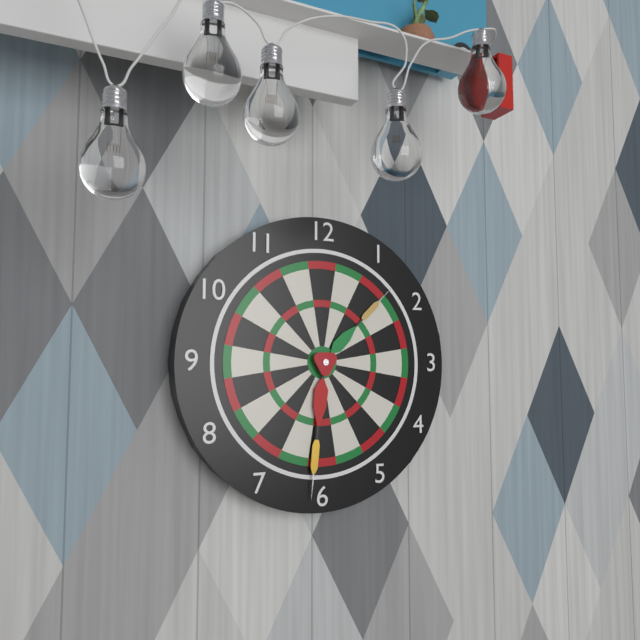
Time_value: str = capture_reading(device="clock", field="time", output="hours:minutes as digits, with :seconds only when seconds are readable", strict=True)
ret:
1:31
